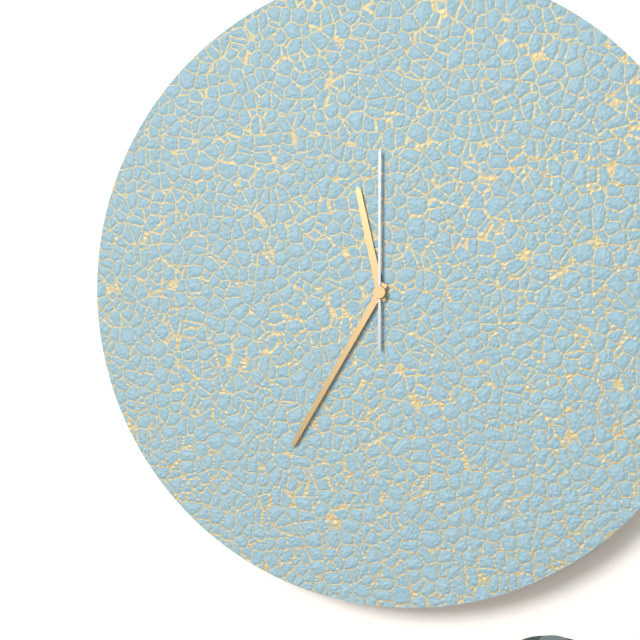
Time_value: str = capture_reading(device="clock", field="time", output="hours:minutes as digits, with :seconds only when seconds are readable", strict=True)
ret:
11:35:00
